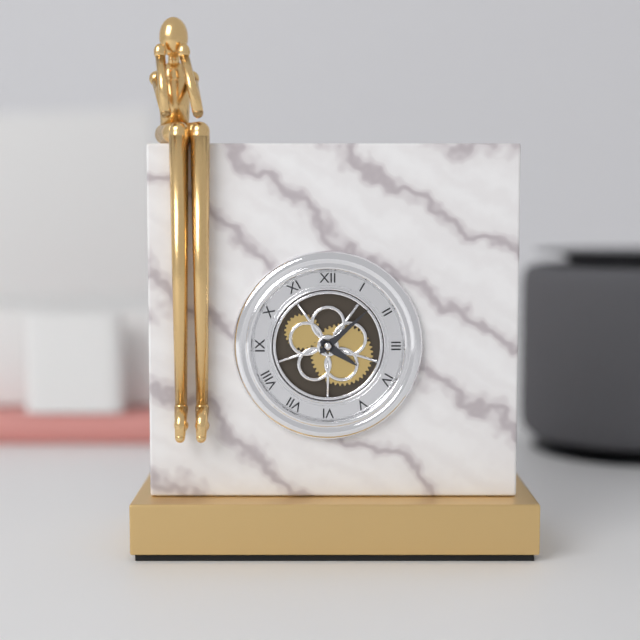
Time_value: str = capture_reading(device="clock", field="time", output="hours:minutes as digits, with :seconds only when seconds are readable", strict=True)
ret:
4:08
